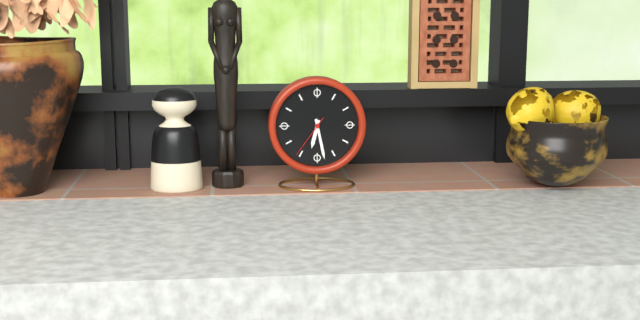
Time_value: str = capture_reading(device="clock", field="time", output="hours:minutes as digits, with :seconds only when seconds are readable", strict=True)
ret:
6:28
